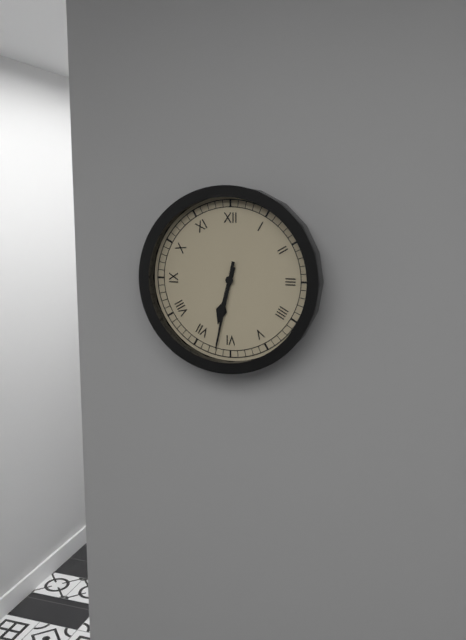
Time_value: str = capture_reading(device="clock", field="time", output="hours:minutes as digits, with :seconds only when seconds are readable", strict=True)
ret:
6:32
